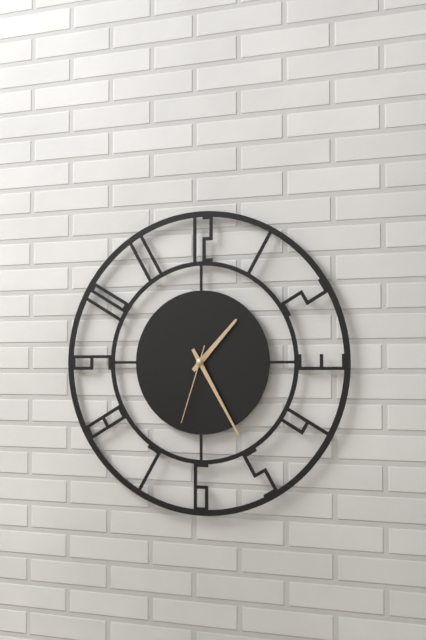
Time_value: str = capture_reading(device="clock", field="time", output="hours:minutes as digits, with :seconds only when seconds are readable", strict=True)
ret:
1:25:33
